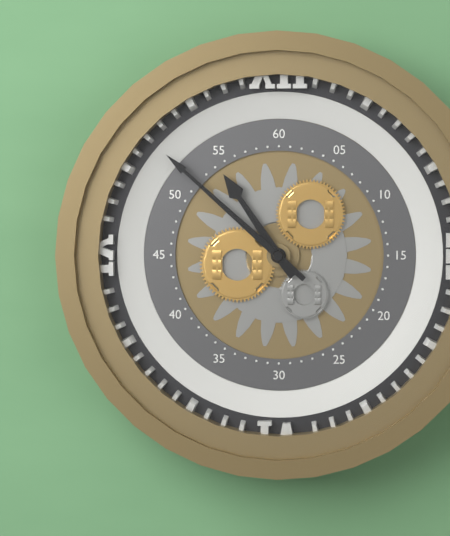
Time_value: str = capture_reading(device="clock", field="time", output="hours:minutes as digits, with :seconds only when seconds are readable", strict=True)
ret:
10:52
